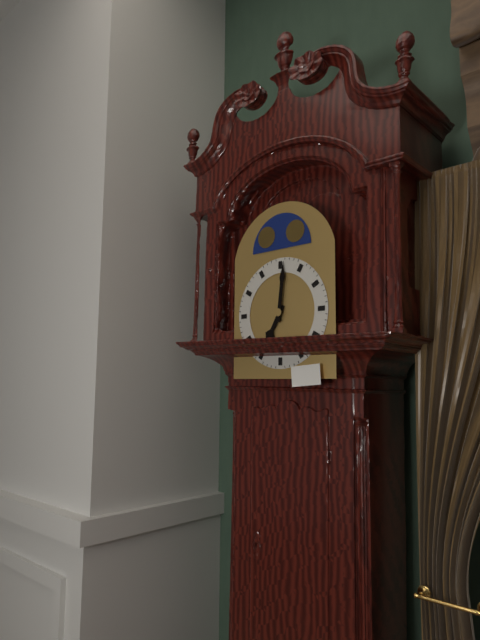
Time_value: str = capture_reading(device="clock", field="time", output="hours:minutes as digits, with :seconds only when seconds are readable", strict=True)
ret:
7:01
